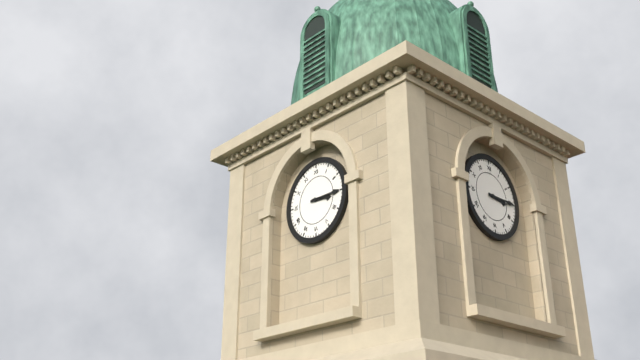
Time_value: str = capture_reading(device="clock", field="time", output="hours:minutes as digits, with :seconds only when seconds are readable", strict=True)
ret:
3:15
